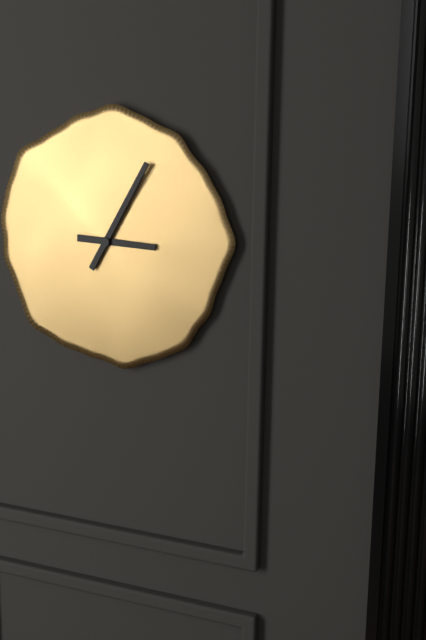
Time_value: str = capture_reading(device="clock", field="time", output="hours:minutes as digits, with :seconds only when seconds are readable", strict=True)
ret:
3:05
